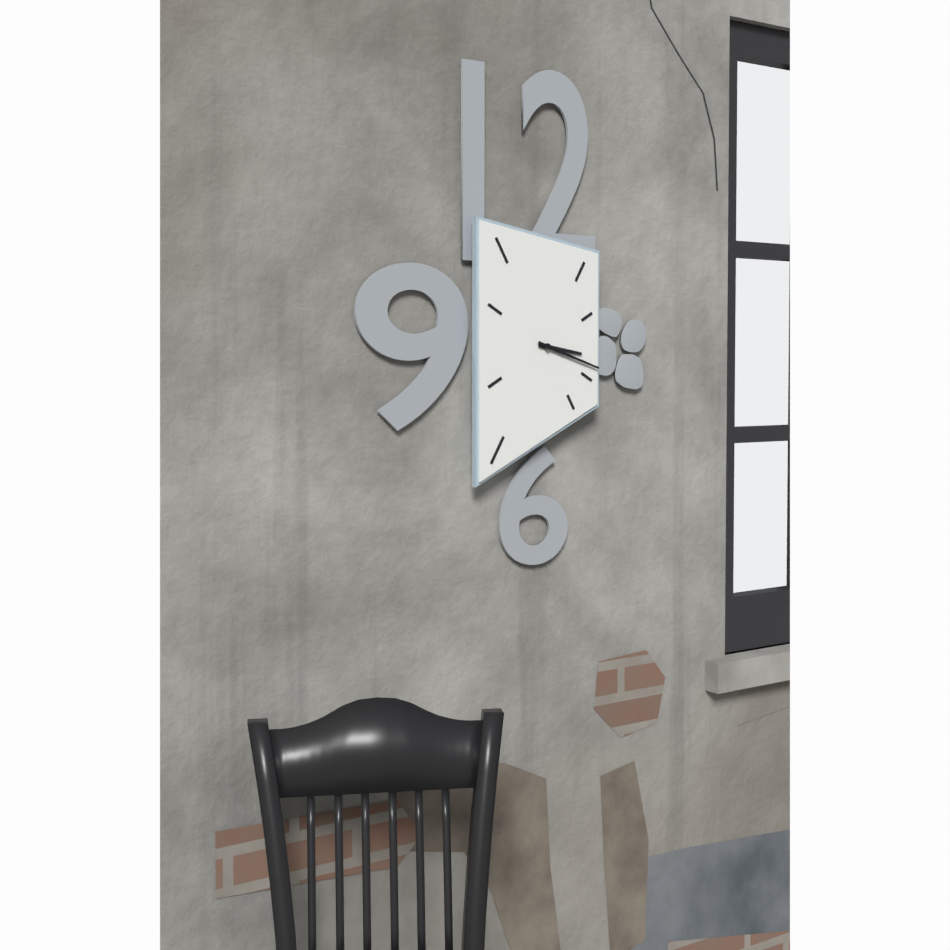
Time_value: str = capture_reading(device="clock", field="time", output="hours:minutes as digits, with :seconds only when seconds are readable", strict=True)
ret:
3:18
